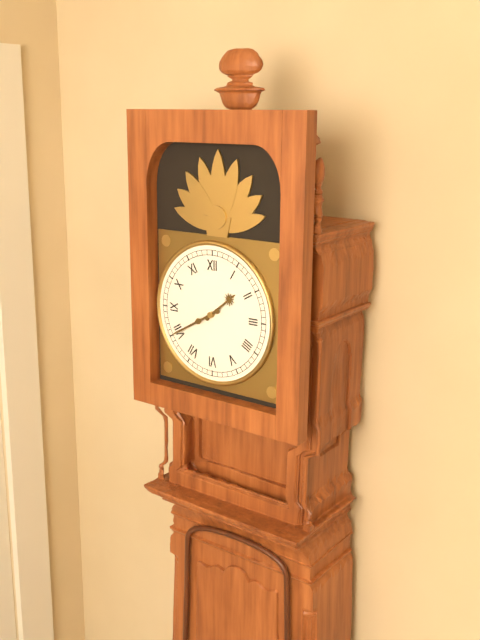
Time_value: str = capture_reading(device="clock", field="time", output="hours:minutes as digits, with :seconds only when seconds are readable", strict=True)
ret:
1:40
